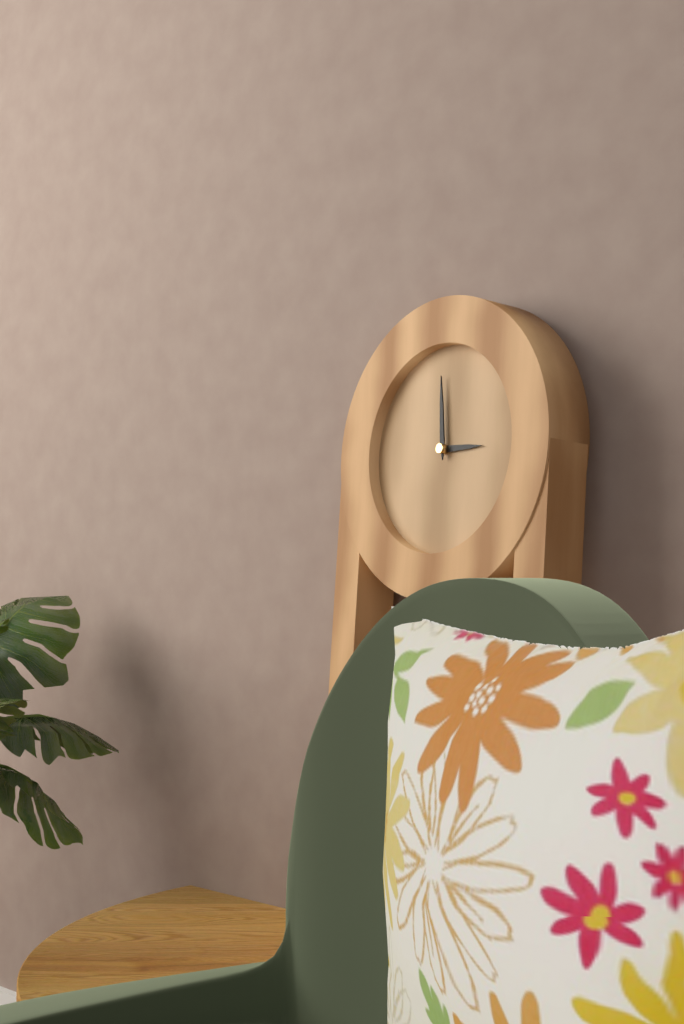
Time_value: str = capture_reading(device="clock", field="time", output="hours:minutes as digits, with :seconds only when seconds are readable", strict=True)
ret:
2:59
